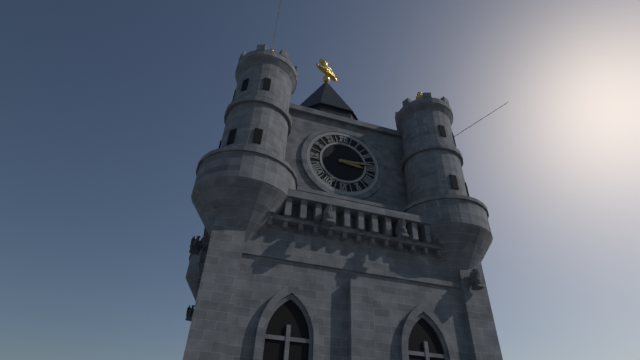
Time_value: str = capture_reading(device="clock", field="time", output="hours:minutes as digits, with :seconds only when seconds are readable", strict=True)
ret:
3:14
